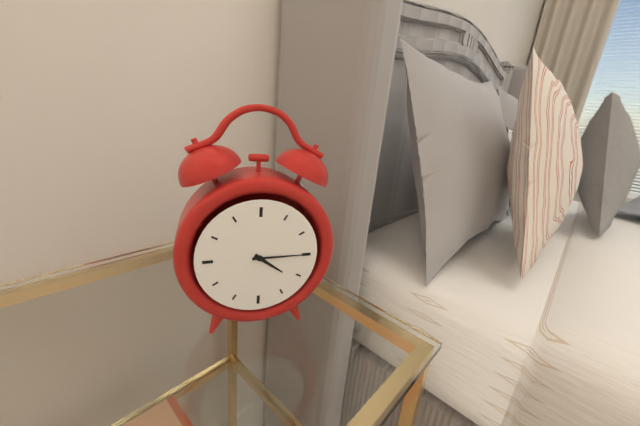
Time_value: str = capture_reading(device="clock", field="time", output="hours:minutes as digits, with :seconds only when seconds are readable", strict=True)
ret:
4:15
